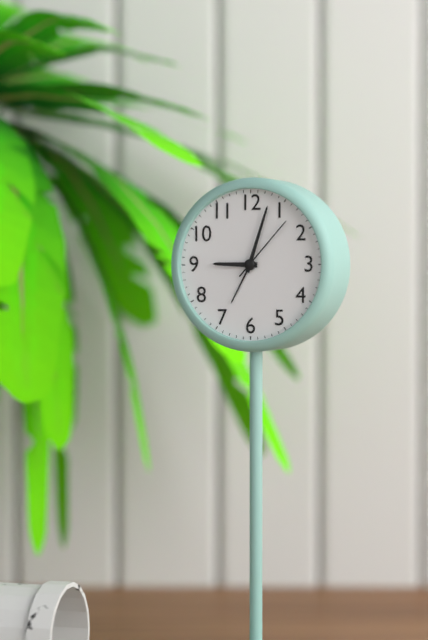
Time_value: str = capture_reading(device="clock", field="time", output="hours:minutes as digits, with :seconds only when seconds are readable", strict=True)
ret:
9:03:07
